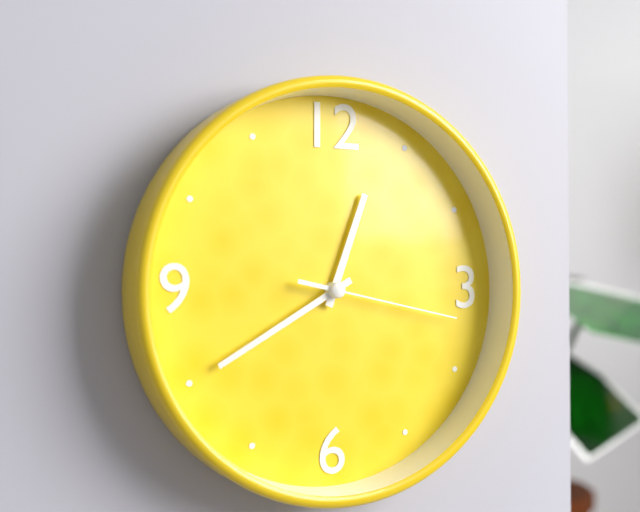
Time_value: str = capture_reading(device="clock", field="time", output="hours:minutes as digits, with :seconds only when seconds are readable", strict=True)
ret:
12:40:17
